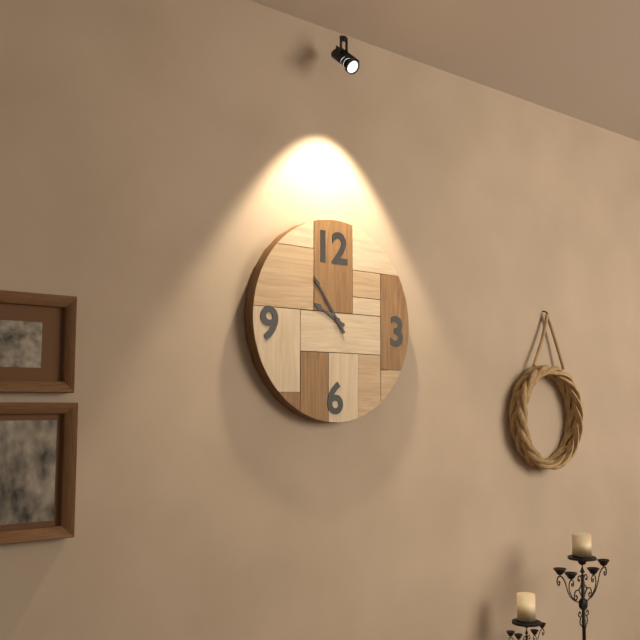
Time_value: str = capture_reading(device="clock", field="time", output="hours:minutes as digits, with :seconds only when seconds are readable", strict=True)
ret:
9:54
